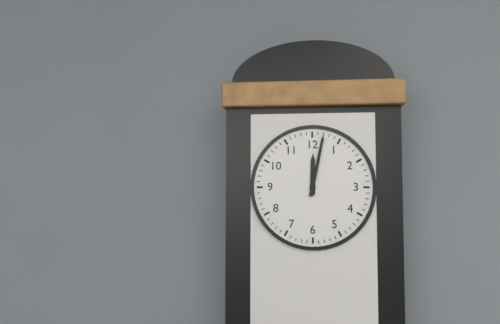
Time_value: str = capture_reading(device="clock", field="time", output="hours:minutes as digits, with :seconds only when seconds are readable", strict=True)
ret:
12:02
